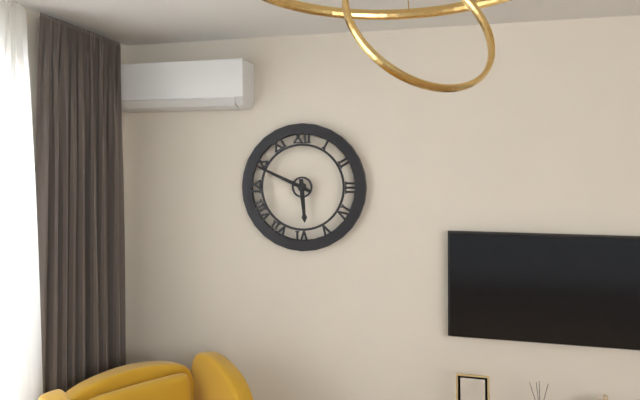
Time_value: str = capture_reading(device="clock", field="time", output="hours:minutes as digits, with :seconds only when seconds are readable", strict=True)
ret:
5:49
